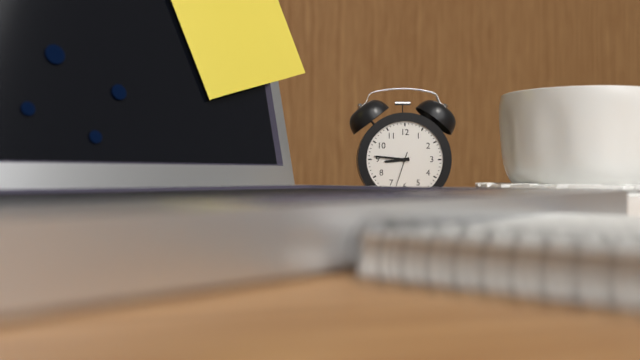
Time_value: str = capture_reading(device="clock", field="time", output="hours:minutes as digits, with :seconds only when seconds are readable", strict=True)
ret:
8:46
